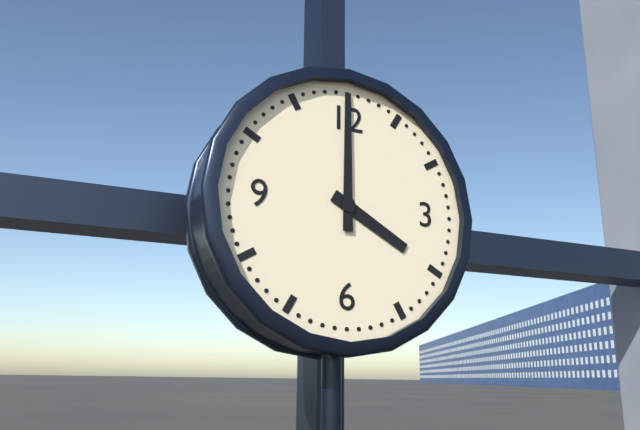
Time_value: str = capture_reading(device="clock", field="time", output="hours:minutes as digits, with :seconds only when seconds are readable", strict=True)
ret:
4:00
